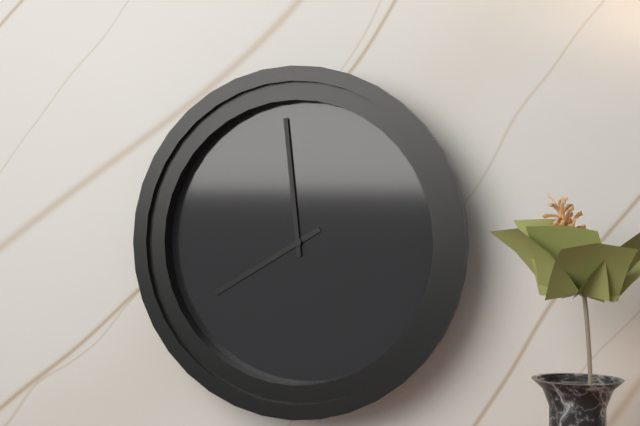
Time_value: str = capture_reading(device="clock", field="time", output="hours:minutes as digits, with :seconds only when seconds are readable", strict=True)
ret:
7:59
